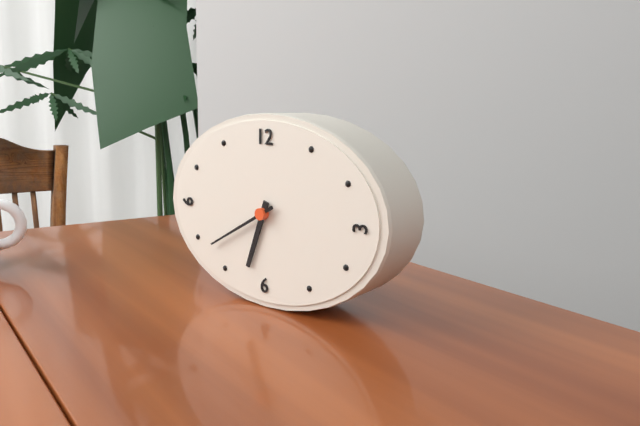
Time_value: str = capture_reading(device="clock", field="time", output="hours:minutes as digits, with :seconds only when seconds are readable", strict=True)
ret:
6:40
